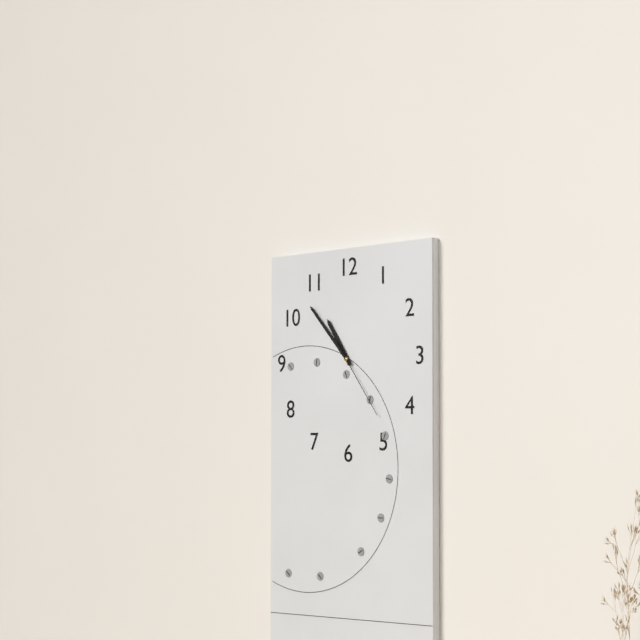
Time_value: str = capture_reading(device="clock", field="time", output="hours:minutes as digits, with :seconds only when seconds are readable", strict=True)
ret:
10:53:24
